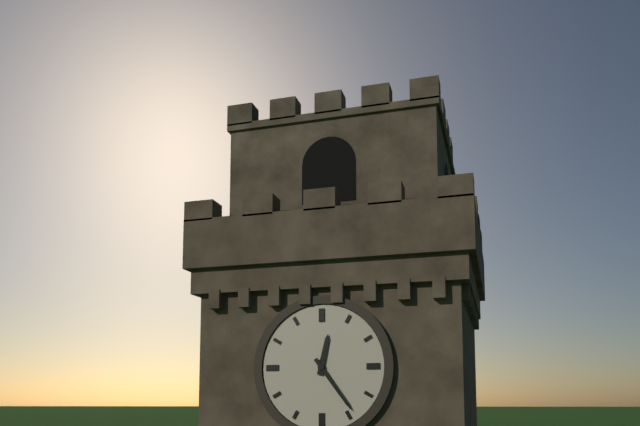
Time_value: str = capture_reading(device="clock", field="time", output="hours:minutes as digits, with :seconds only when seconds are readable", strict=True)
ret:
12:24
